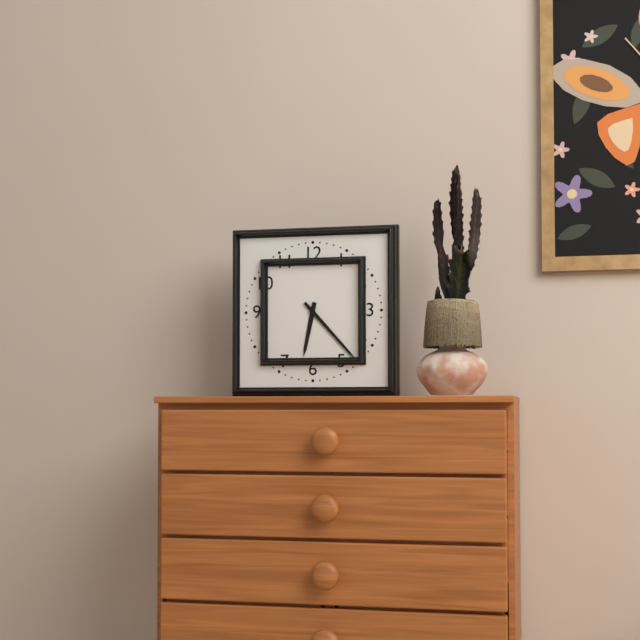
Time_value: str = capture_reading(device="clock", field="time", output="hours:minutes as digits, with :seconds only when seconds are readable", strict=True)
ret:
6:23
